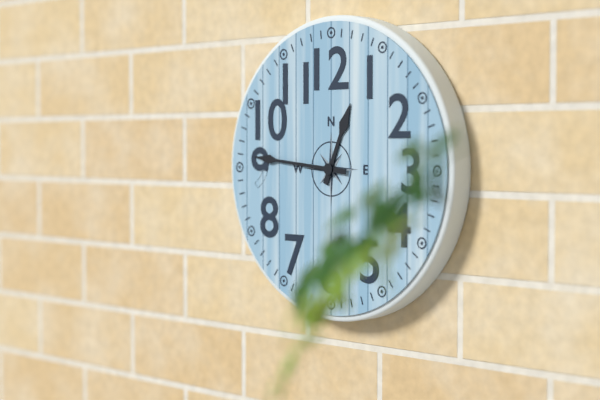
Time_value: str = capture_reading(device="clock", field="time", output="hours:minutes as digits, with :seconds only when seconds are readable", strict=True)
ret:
12:46
